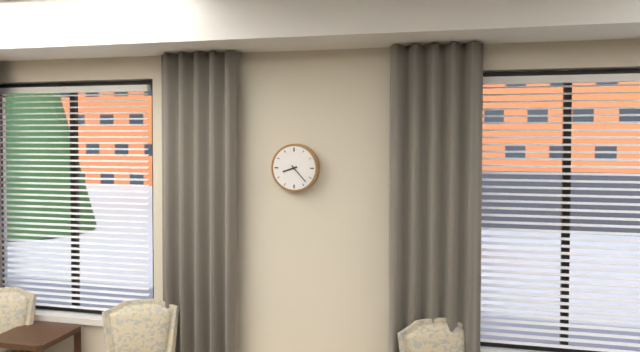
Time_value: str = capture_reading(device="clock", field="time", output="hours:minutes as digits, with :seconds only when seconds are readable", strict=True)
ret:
8:23
